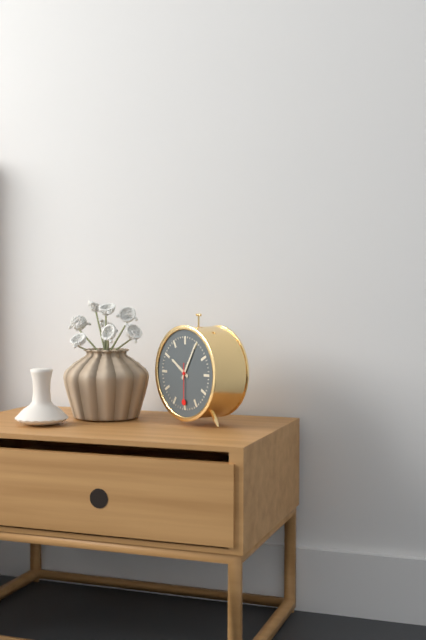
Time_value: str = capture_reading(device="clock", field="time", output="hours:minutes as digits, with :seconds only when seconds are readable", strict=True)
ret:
10:05
